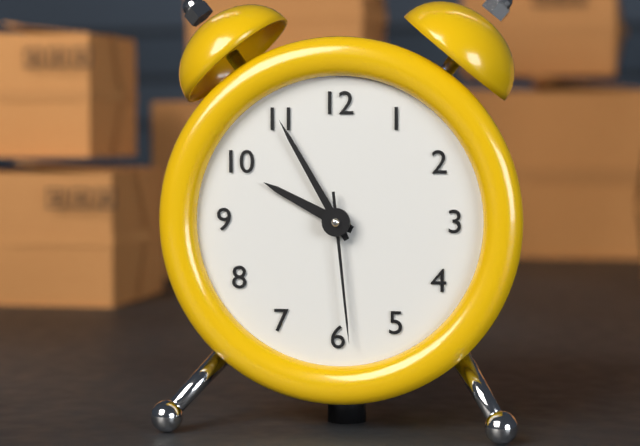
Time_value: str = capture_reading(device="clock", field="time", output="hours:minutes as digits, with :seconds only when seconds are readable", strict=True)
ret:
9:55:29
